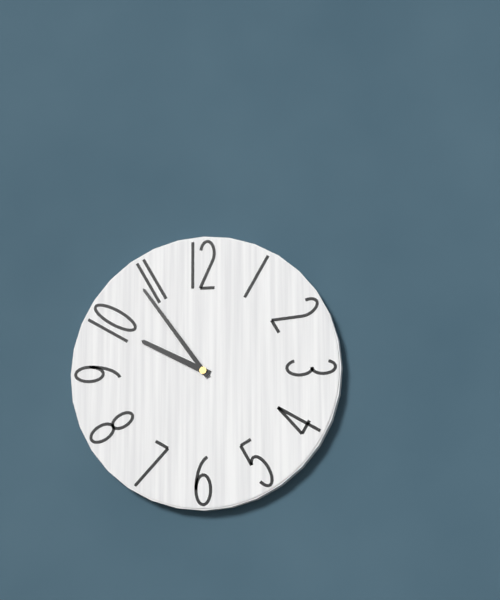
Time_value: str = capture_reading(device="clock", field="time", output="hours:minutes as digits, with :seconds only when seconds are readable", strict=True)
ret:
9:54
